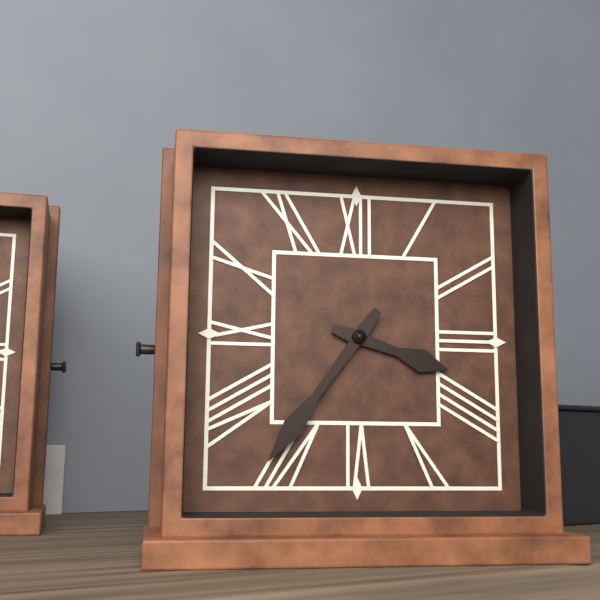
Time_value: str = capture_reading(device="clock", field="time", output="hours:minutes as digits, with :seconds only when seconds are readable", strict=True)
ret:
3:36
